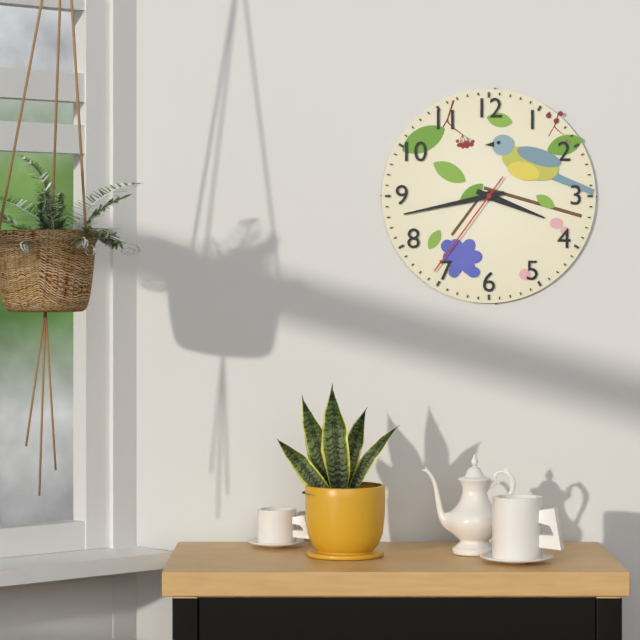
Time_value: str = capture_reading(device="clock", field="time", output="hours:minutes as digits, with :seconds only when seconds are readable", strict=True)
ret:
3:43:36
